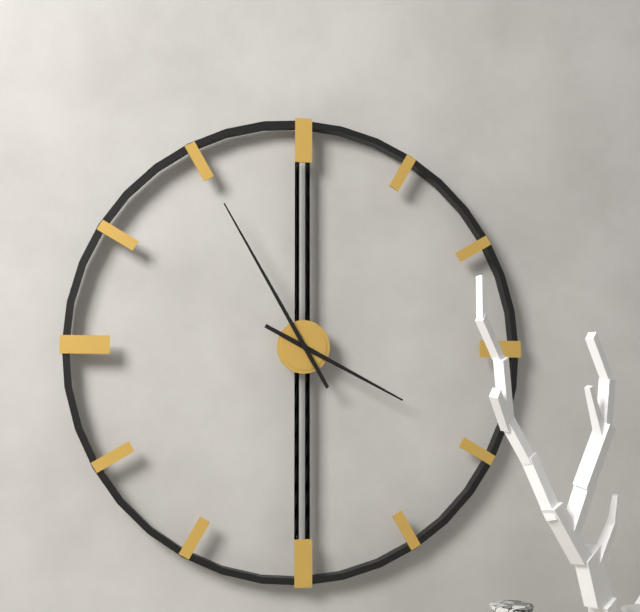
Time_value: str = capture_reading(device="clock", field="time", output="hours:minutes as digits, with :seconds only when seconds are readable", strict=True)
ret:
3:55
